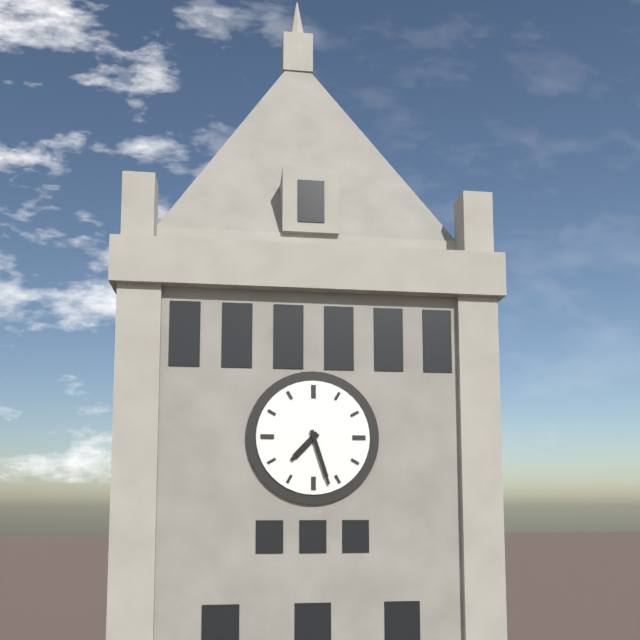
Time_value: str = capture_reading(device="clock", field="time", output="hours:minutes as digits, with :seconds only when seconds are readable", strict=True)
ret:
7:27
